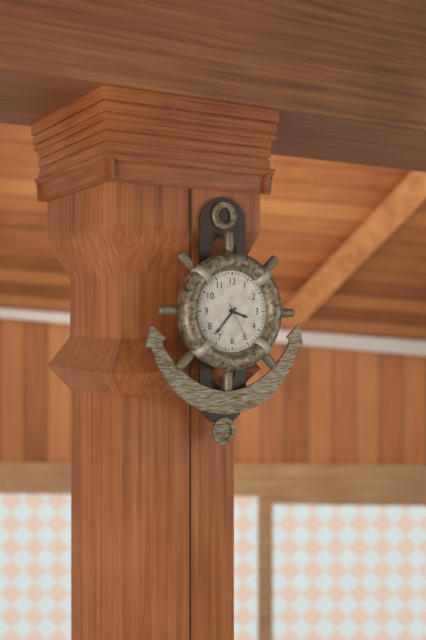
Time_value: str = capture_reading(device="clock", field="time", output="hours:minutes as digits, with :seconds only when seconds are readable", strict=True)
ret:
3:37
